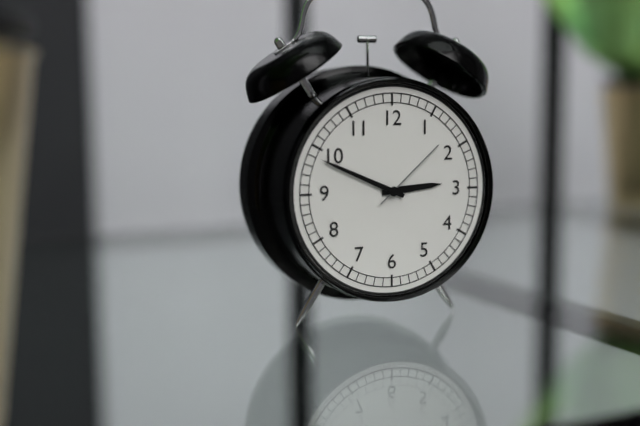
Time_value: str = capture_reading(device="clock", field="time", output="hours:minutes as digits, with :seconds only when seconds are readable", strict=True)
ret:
2:49:08
